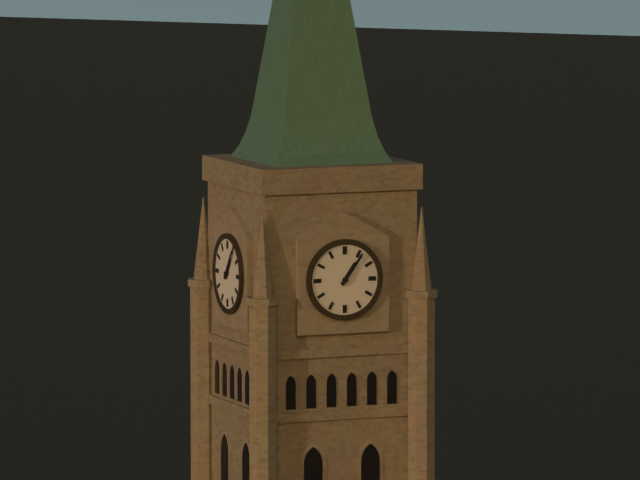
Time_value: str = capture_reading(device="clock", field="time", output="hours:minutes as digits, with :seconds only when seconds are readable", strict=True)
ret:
1:06
